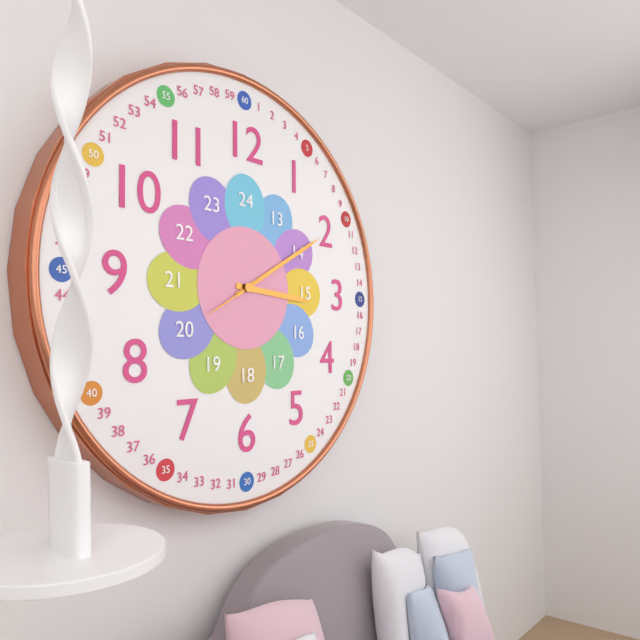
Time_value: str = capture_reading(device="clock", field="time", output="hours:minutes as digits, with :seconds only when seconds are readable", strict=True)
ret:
3:10:40
